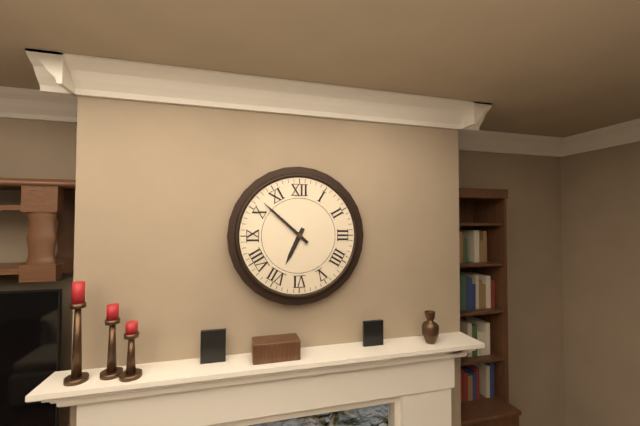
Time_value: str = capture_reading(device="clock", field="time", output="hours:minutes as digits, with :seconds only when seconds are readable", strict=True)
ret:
6:52
